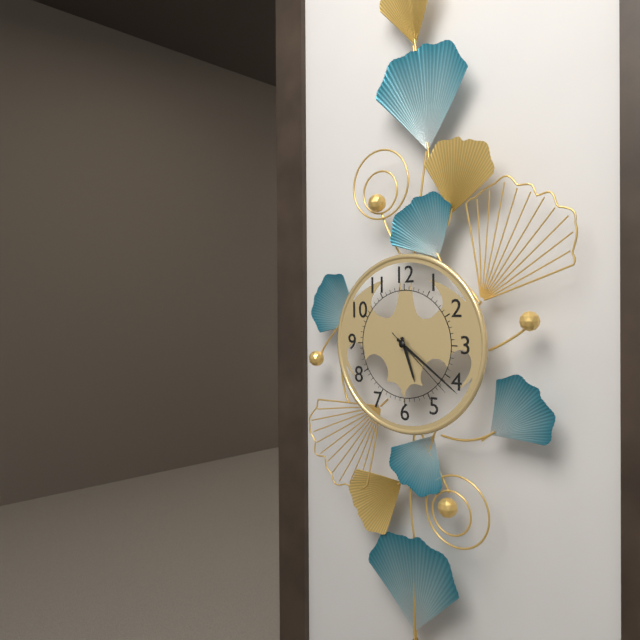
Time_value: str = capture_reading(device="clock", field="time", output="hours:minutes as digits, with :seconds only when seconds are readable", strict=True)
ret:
5:21:22
